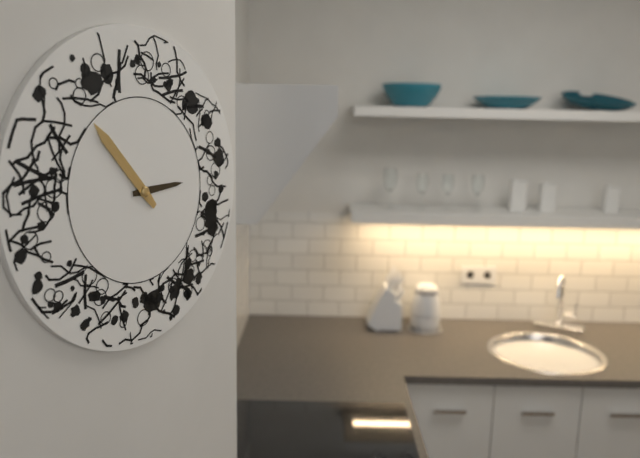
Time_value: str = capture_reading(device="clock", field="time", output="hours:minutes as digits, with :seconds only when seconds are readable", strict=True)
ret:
2:53
